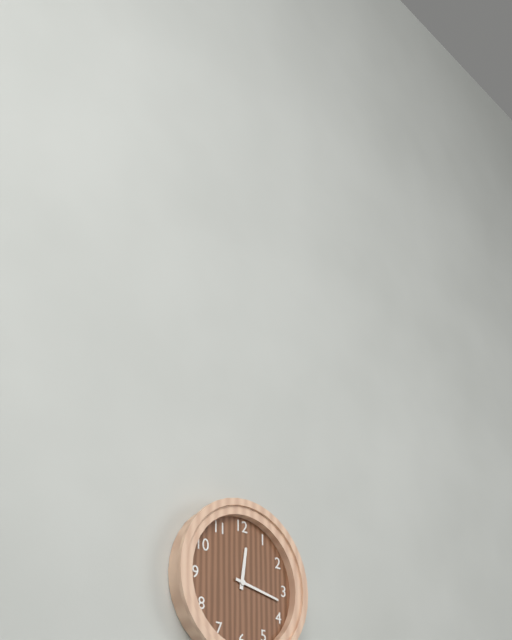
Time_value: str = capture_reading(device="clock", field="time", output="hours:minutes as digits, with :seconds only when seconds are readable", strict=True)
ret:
12:17
